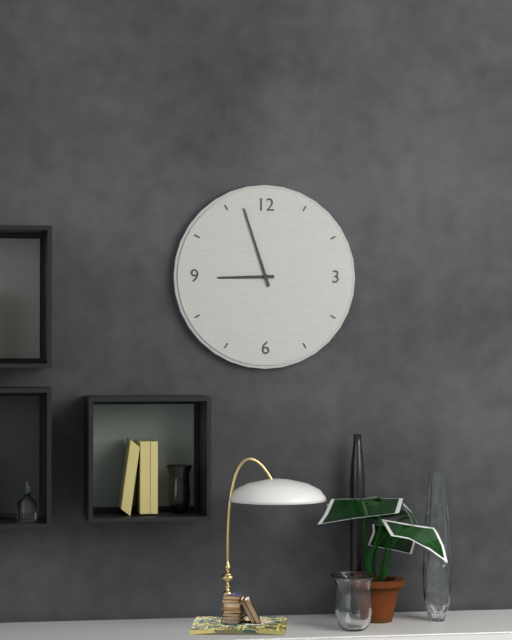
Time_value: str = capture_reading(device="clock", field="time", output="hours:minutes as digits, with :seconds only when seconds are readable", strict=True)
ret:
8:57
